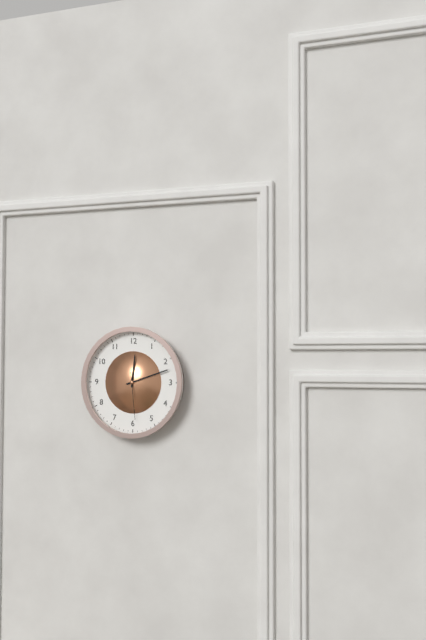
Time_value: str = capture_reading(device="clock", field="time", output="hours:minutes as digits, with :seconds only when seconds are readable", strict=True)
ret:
12:12
